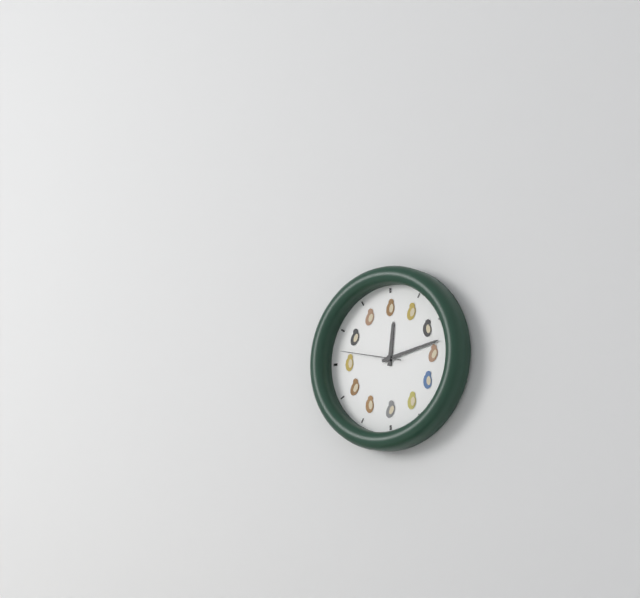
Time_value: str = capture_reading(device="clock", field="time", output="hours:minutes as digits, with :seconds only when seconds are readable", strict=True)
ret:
12:13:47
